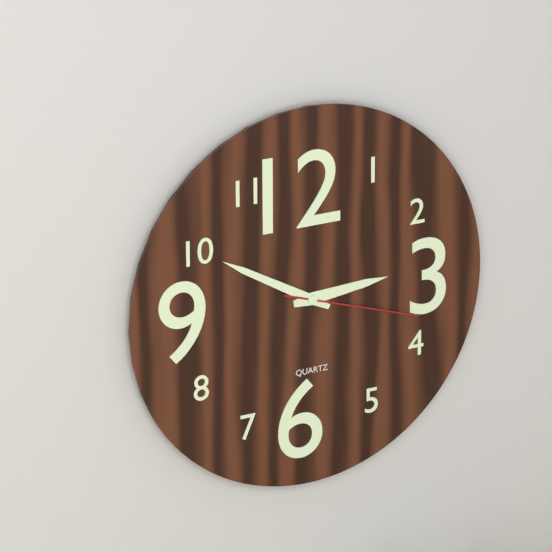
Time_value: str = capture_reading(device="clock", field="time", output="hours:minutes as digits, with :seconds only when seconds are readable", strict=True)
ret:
2:50:18
